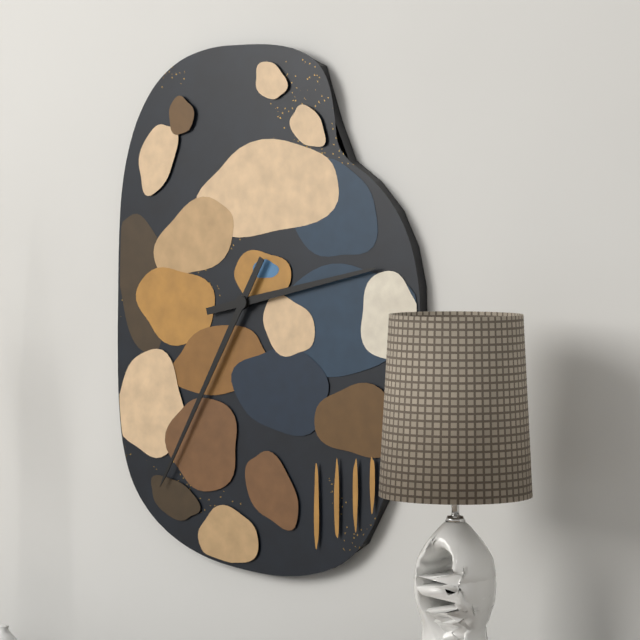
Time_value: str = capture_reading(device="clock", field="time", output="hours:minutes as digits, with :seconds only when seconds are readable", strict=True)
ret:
2:35
